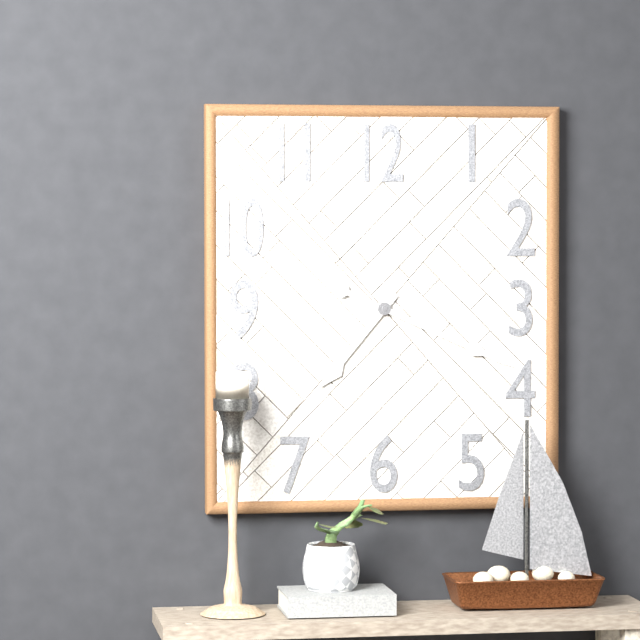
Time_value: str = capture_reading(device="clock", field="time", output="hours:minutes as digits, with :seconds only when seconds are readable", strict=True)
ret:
7:19
